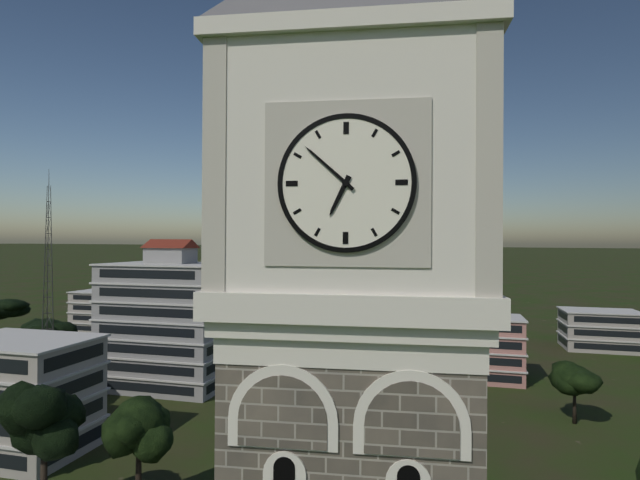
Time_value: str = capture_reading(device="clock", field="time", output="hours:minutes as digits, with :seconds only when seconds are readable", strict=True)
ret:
6:52
